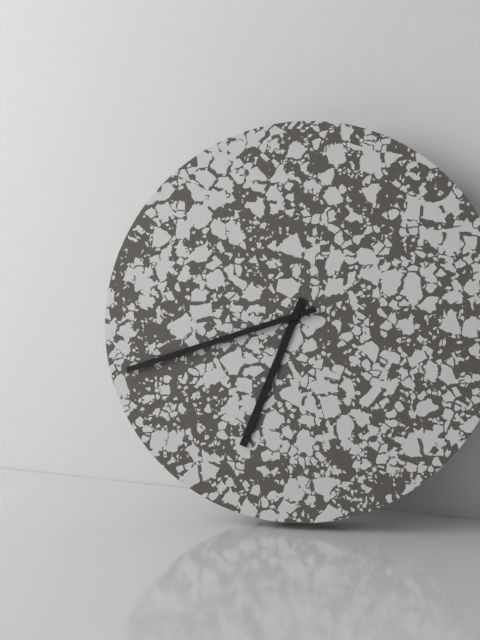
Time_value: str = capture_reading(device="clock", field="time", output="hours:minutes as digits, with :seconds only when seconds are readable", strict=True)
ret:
6:42
